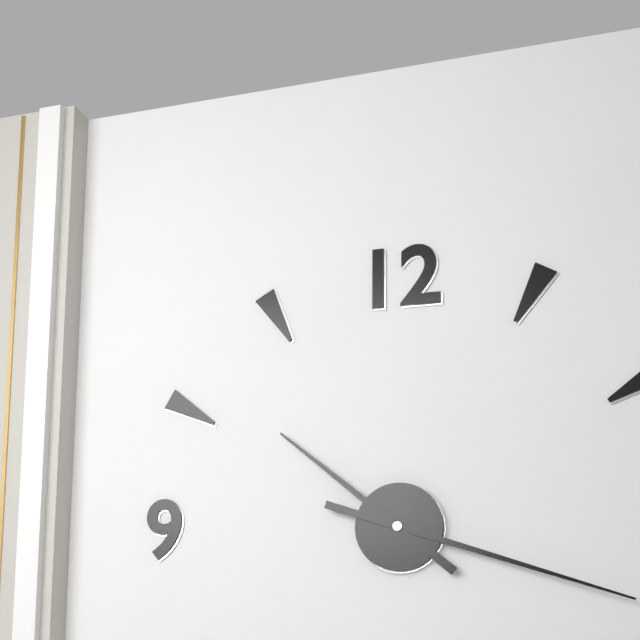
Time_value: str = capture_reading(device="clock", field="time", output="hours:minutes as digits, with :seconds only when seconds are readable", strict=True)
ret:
10:18
